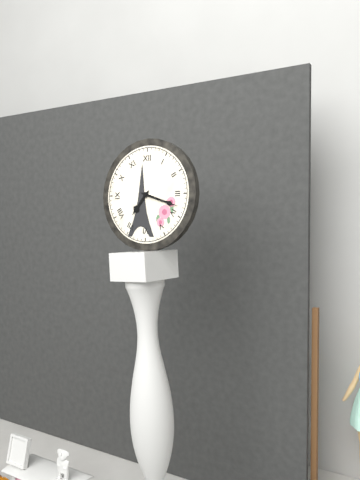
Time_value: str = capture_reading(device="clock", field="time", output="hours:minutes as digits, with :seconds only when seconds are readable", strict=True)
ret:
7:18
